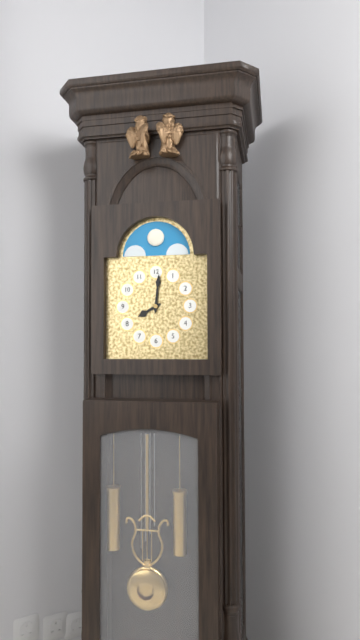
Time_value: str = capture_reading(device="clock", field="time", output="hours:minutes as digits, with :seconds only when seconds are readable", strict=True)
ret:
8:01
